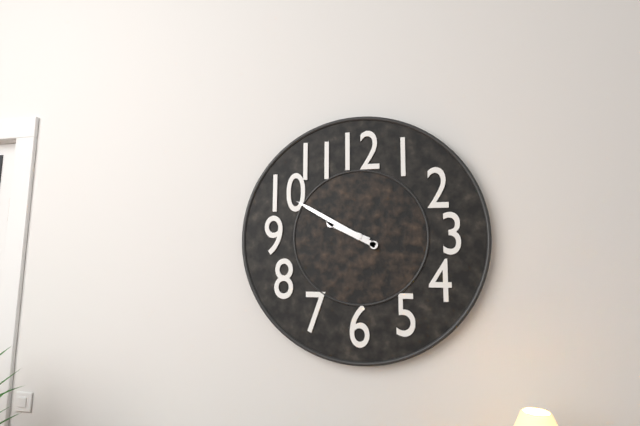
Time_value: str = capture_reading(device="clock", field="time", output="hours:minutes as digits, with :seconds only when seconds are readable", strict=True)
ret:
9:50
